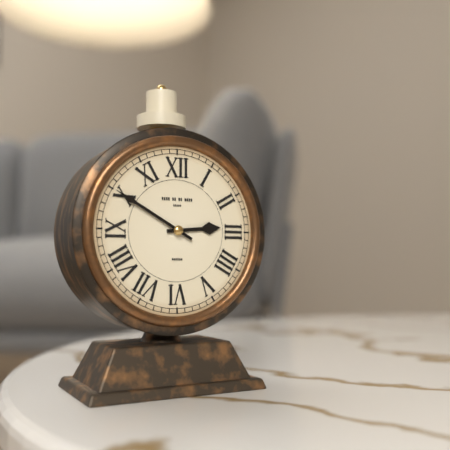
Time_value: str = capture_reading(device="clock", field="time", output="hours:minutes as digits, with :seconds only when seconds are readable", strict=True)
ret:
2:50
